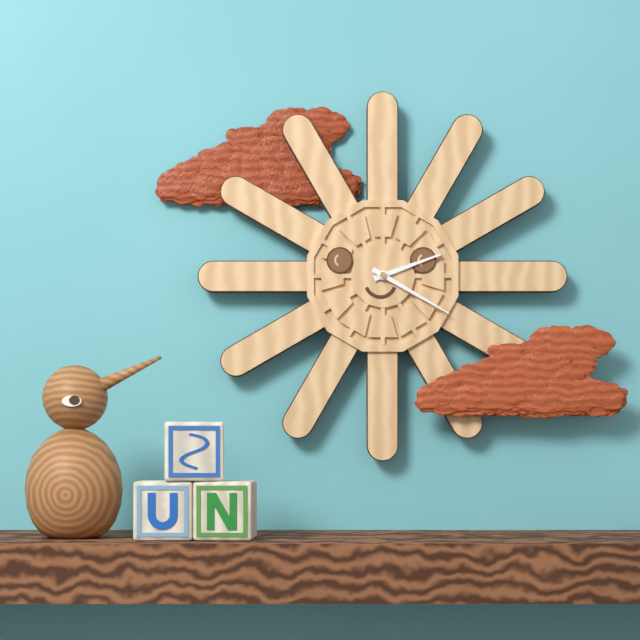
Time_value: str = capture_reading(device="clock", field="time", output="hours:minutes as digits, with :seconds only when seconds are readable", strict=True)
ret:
2:20
